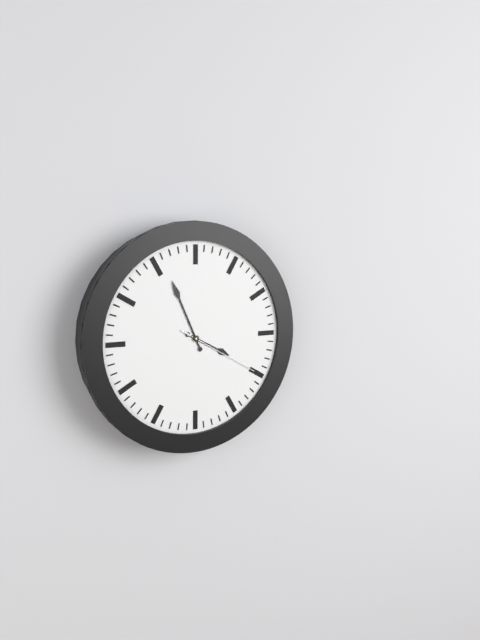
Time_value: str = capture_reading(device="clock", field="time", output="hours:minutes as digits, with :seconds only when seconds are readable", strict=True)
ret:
3:56:20
